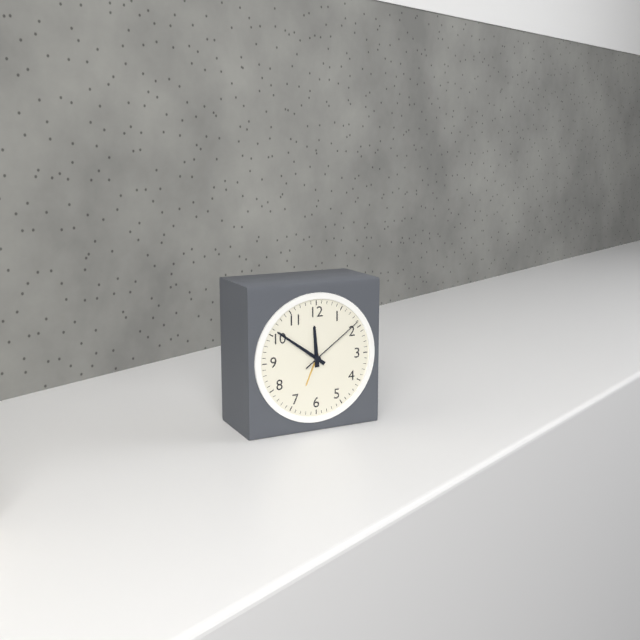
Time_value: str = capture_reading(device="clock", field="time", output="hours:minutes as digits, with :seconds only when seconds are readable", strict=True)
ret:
11:51:09
